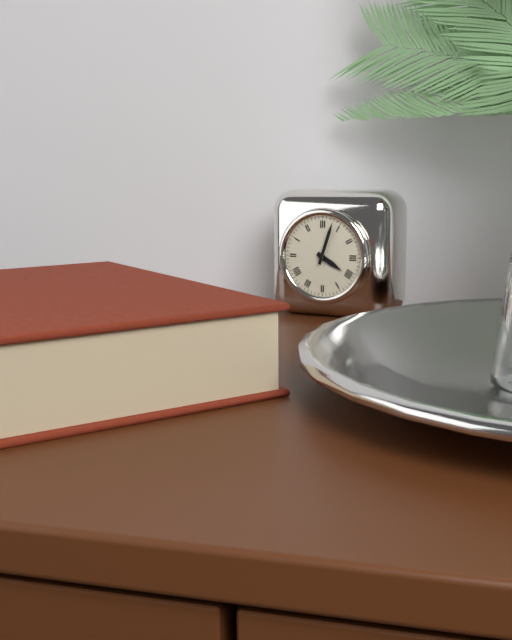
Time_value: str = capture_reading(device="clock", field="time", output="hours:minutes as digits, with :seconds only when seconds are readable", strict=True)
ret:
4:03
